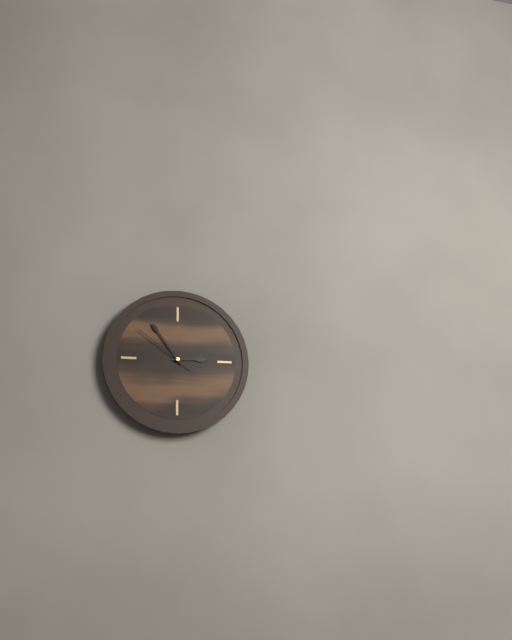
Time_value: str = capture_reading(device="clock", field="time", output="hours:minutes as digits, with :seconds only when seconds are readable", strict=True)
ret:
2:54:51
